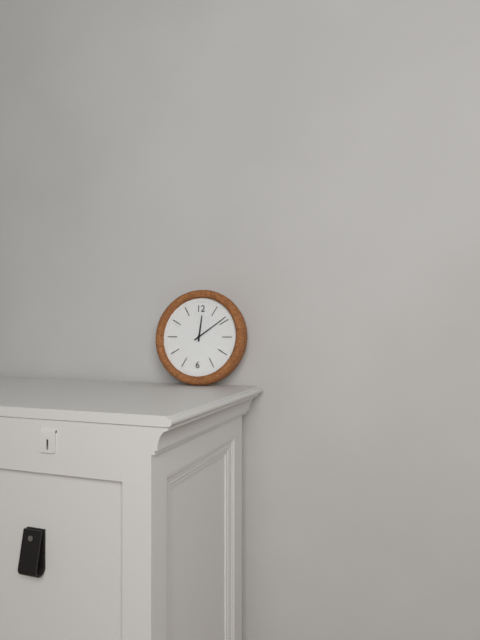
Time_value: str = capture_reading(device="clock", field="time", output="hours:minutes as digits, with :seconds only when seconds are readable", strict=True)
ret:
12:09
